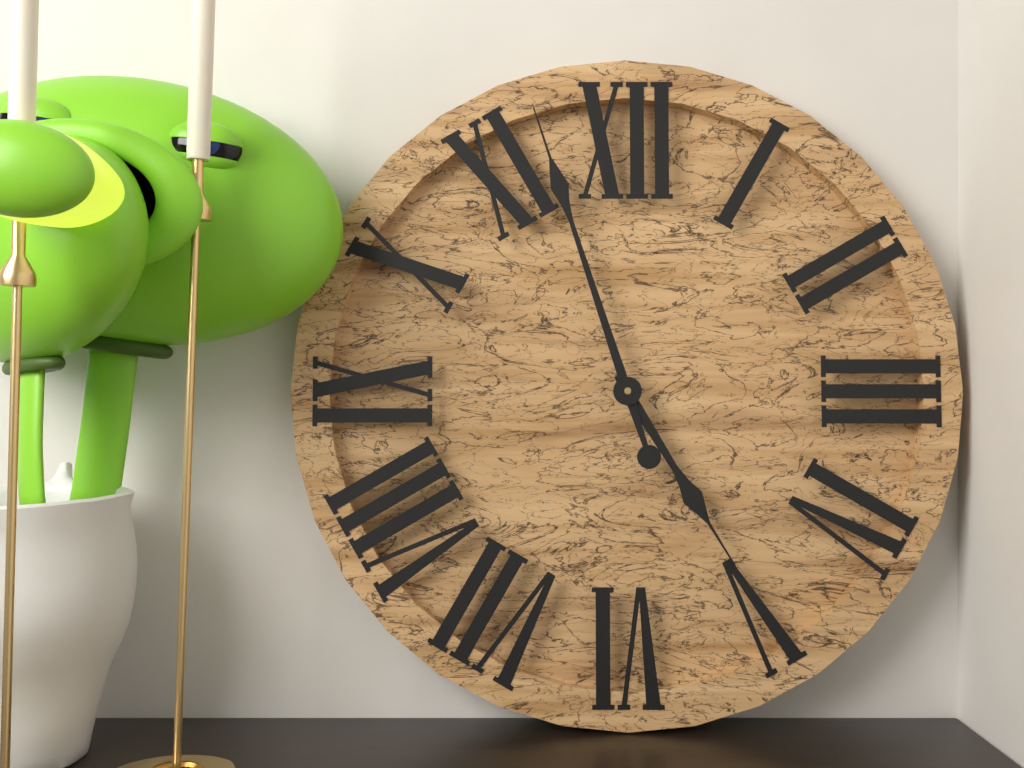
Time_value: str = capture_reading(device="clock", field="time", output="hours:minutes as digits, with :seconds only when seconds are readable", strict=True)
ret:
4:57
